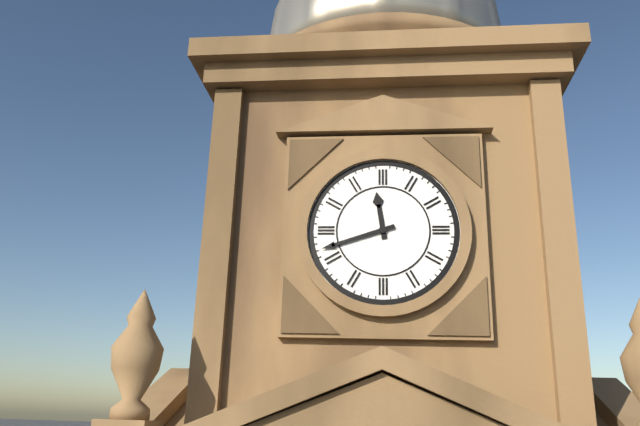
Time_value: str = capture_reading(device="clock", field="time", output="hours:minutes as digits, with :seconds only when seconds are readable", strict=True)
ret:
11:42
